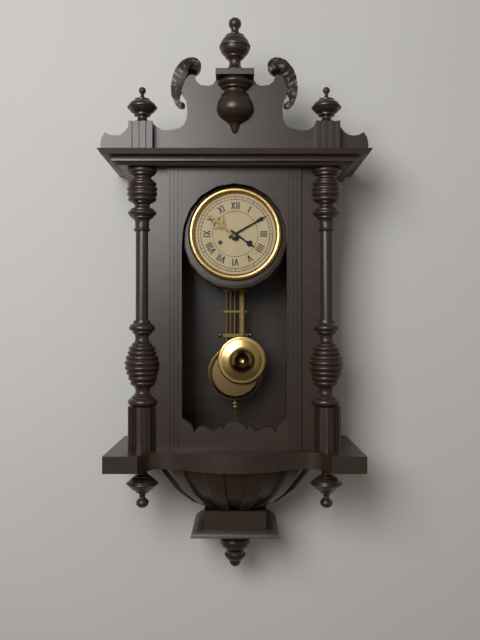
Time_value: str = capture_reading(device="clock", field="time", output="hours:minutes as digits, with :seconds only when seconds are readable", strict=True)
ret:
4:10
